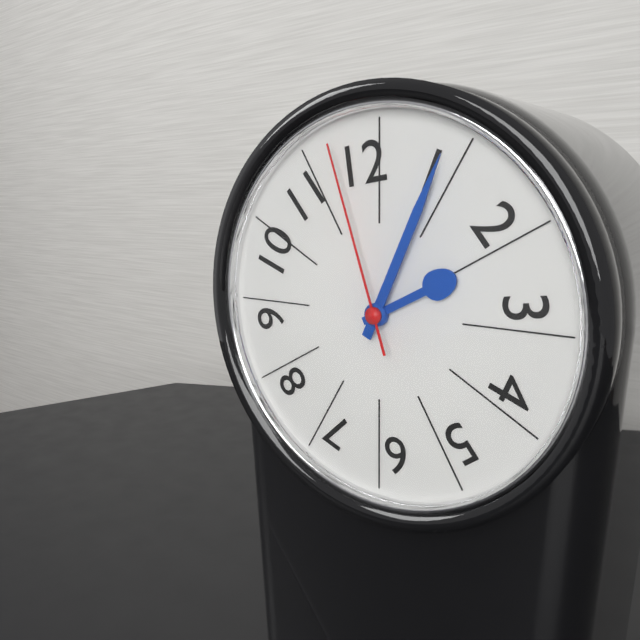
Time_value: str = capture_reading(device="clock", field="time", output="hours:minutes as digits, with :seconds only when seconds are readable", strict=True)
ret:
2:04:57
